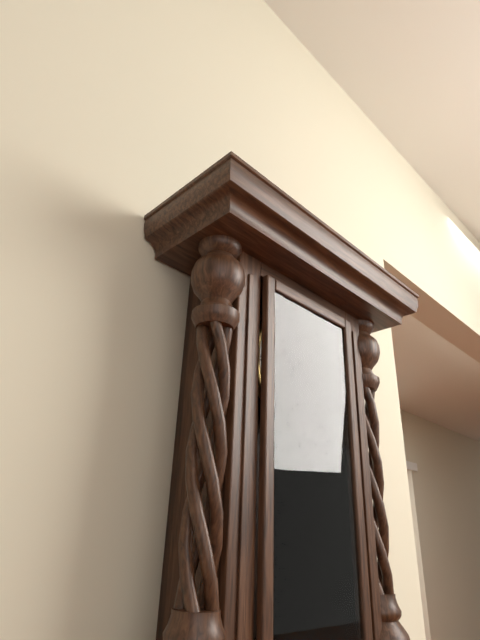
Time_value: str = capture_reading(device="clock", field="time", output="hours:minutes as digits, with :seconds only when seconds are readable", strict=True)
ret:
10:20
